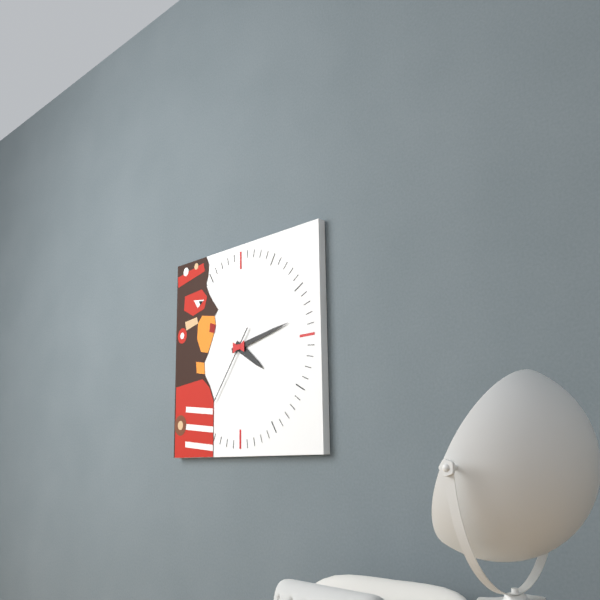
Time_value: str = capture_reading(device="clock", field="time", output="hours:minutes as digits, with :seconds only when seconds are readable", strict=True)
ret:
4:13:36
